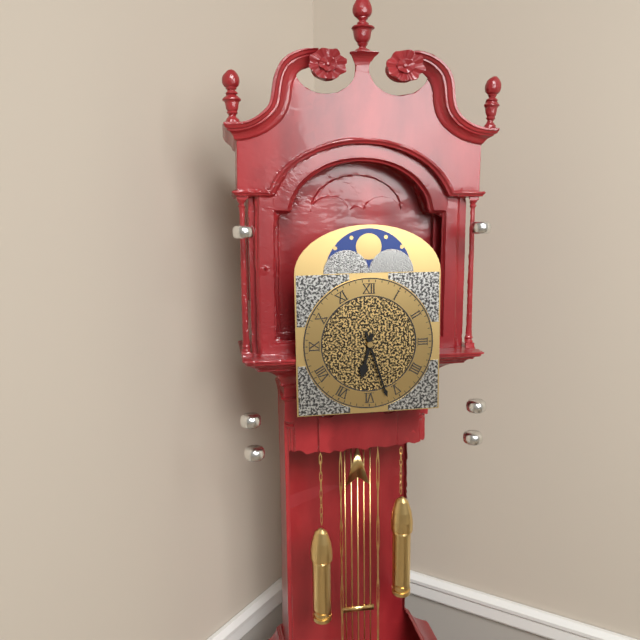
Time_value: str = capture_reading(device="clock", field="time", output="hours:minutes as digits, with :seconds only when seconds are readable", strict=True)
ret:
6:27
